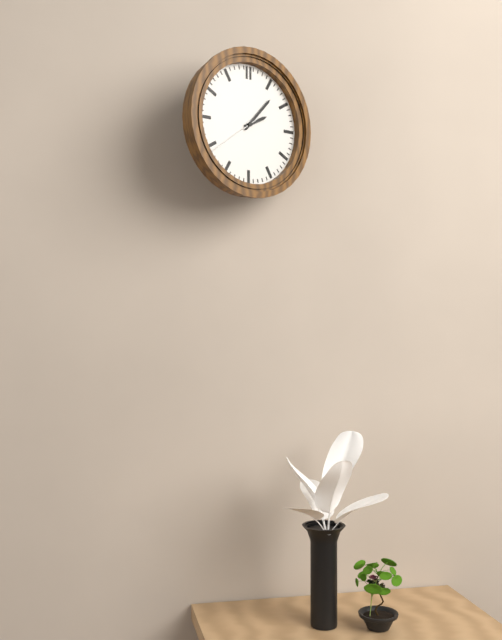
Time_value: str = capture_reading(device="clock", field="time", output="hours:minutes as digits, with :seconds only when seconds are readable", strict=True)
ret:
2:07:39
